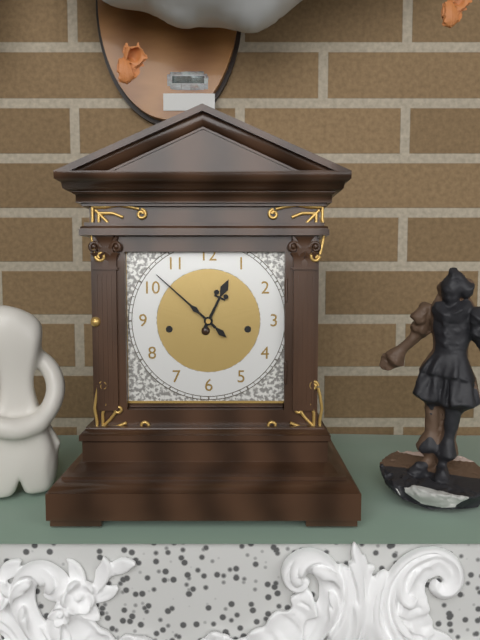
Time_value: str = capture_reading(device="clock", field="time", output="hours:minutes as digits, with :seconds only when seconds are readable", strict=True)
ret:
12:52
